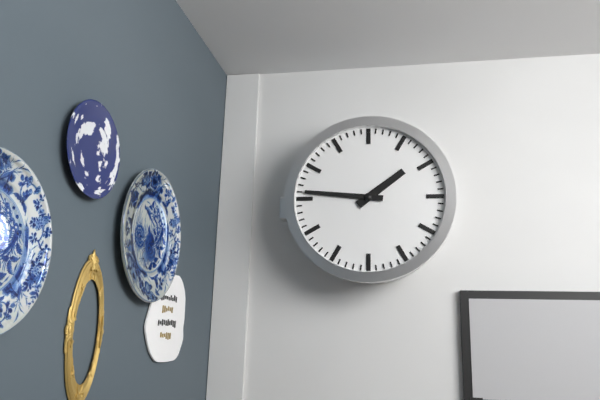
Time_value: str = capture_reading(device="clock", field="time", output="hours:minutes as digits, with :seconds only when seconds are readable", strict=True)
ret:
1:46
